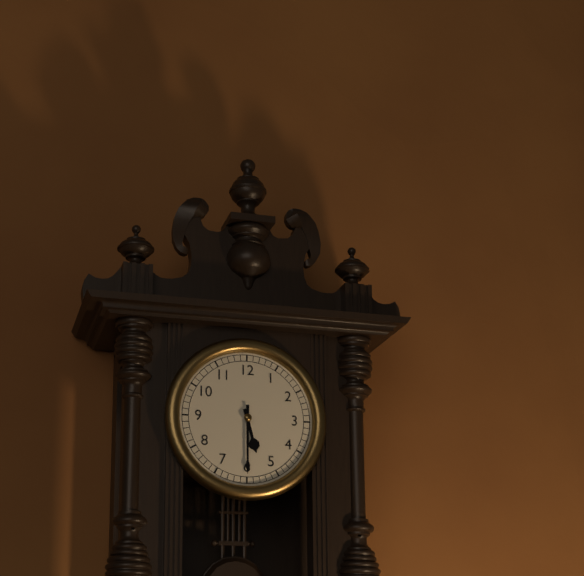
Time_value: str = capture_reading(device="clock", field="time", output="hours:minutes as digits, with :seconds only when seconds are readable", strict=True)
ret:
5:30
